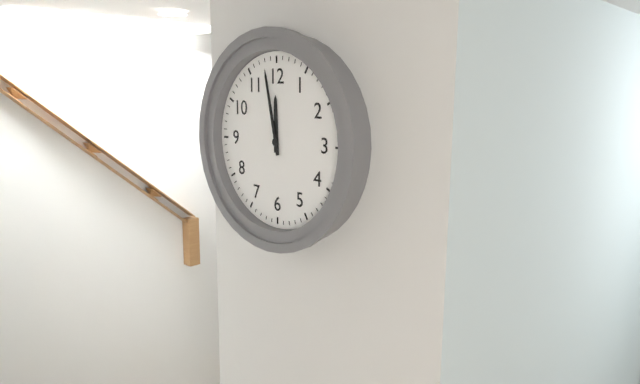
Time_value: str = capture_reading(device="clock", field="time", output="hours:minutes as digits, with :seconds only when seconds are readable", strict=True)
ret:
11:58
